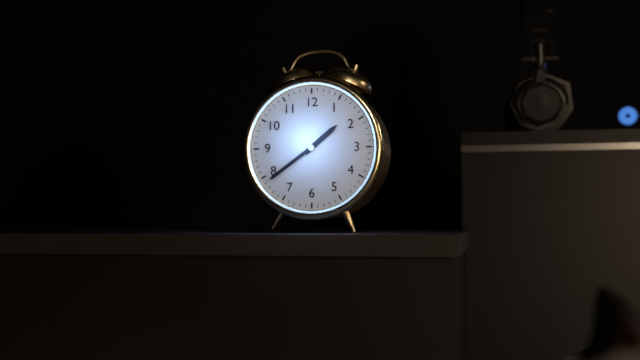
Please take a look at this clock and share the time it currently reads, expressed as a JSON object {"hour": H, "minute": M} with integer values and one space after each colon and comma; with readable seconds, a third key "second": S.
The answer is {"hour": 1, "minute": 39}
